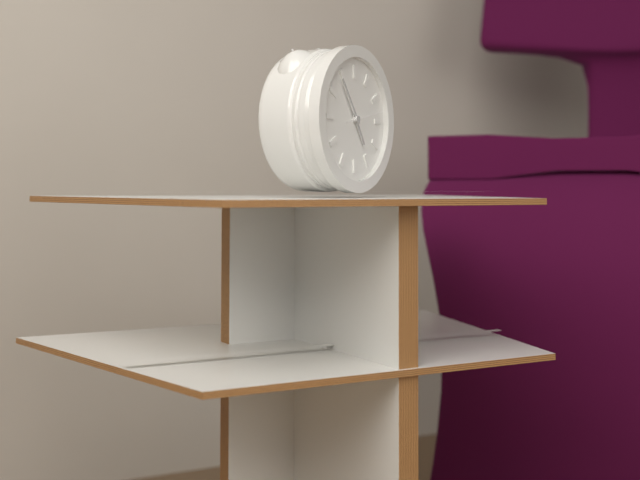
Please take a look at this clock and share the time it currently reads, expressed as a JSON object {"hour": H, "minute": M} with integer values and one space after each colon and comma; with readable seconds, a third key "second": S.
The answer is {"hour": 4, "minute": 54}
